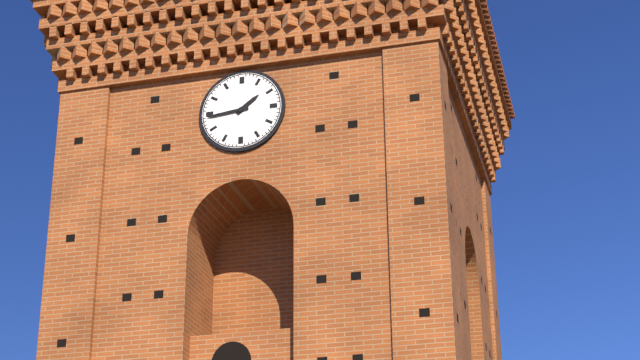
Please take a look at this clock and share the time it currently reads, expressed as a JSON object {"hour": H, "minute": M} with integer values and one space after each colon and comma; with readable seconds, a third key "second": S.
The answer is {"hour": 1, "minute": 44}
